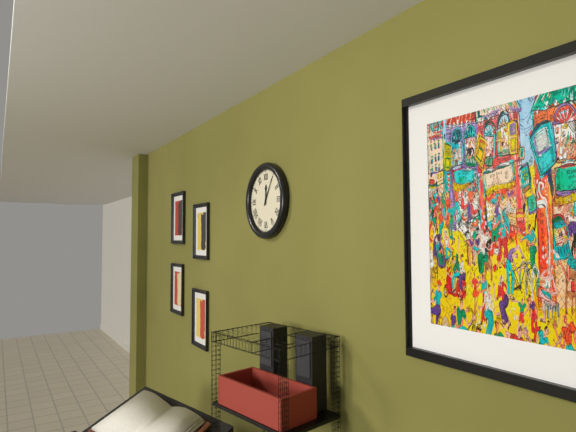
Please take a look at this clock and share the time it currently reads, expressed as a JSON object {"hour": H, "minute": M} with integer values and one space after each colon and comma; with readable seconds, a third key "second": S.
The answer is {"hour": 12, "minute": 5}
